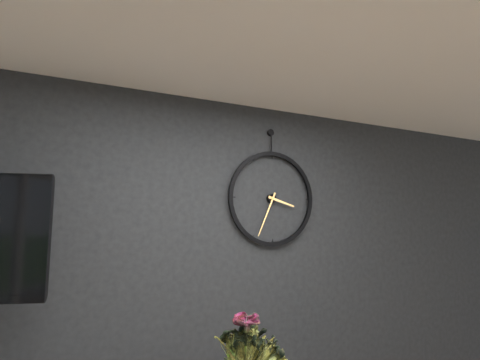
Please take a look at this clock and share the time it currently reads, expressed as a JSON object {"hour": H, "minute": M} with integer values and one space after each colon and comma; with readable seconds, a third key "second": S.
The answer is {"hour": 3, "minute": 34}
